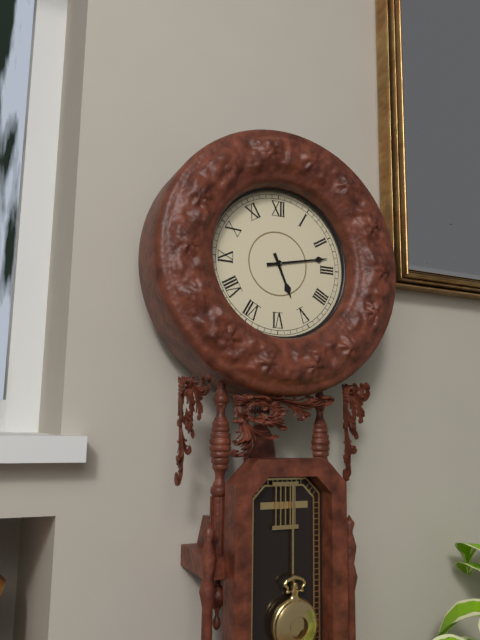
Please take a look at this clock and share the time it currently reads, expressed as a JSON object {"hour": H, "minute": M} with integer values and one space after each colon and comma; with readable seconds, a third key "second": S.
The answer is {"hour": 5, "minute": 13}
